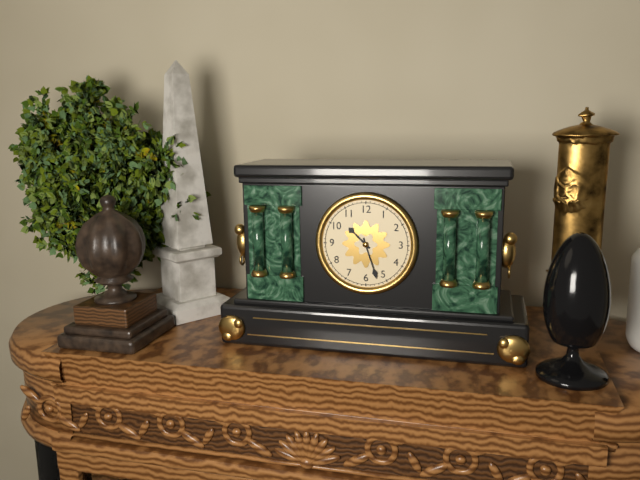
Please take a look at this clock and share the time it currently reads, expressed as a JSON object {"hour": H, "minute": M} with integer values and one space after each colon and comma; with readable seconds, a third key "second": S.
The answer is {"hour": 10, "minute": 27}
